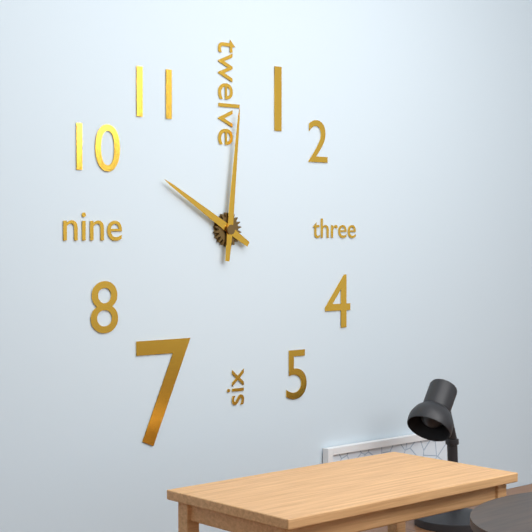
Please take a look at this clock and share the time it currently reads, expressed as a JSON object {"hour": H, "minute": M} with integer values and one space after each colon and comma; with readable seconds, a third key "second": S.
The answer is {"hour": 10, "minute": 1}
